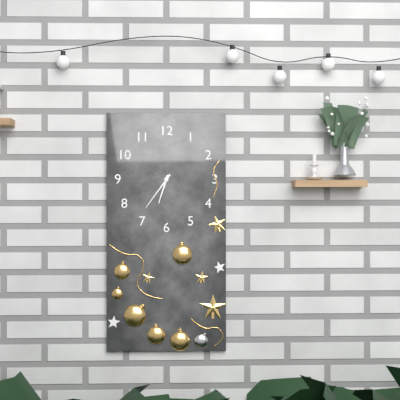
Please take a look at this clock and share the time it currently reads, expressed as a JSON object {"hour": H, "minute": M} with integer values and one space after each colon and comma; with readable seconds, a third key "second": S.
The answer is {"hour": 6, "minute": 36}
